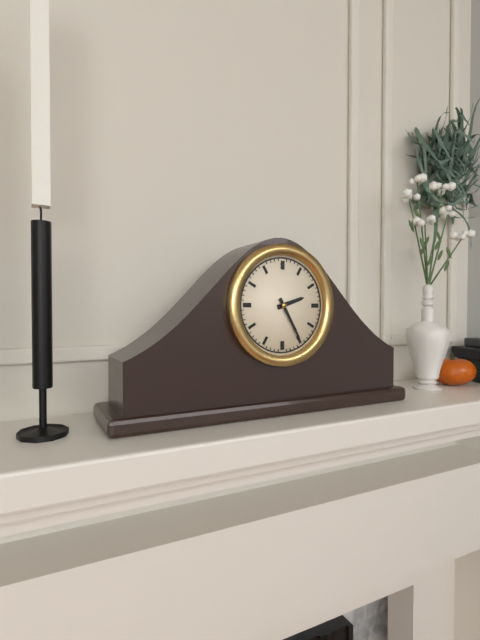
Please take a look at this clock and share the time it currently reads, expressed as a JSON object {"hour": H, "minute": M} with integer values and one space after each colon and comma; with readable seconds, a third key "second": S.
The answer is {"hour": 2, "minute": 25}
